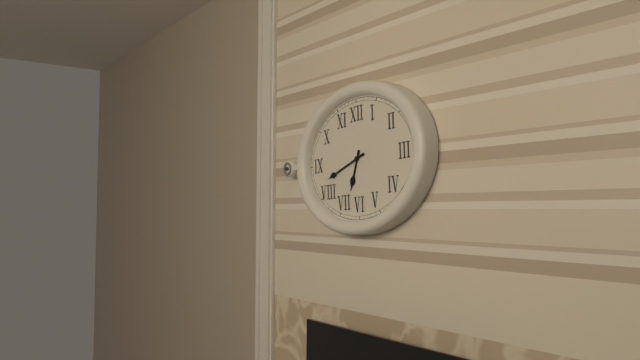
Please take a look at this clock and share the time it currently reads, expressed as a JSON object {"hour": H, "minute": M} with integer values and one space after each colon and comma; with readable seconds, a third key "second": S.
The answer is {"hour": 6, "minute": 42}
